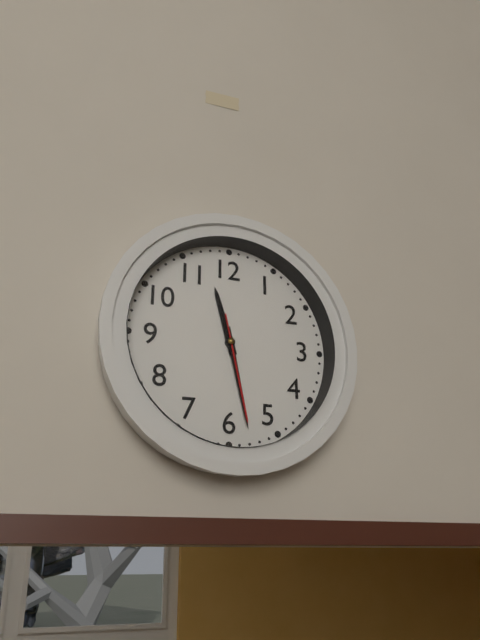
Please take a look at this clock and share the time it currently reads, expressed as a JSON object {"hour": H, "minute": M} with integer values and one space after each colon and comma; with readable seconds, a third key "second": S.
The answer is {"hour": 11, "minute": 28, "second": 28}
